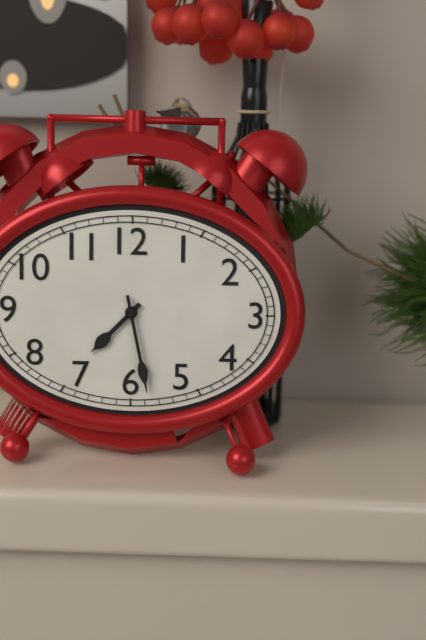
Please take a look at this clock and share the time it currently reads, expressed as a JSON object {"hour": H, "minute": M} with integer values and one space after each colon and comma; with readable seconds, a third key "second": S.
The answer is {"hour": 7, "minute": 28}
